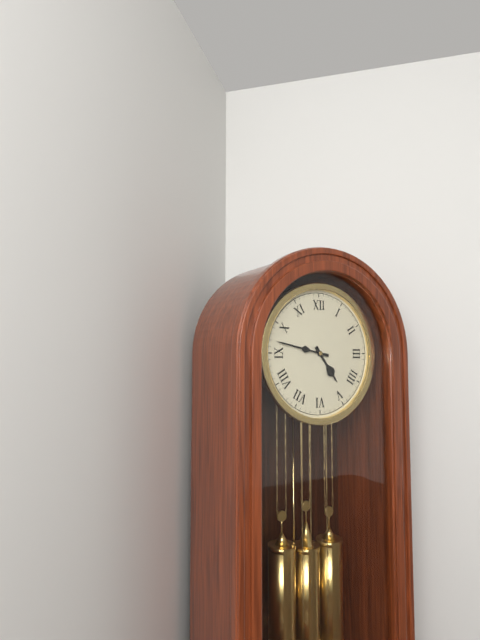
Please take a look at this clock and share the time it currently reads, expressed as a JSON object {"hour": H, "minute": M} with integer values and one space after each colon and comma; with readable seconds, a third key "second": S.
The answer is {"hour": 4, "minute": 47}
